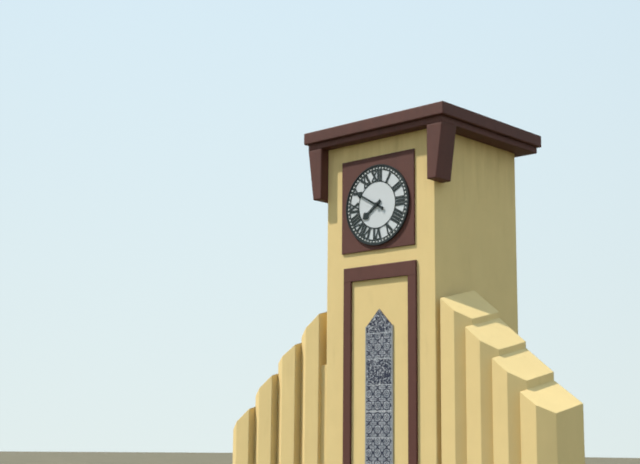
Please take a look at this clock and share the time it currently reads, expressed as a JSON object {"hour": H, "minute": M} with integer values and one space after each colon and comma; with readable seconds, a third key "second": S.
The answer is {"hour": 7, "minute": 50}
